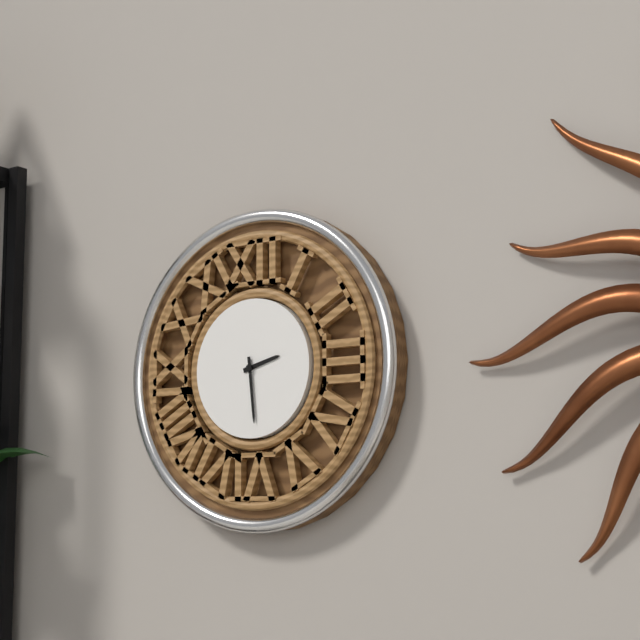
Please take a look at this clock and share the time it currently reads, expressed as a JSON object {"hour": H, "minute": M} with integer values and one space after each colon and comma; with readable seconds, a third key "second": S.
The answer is {"hour": 2, "minute": 29}
